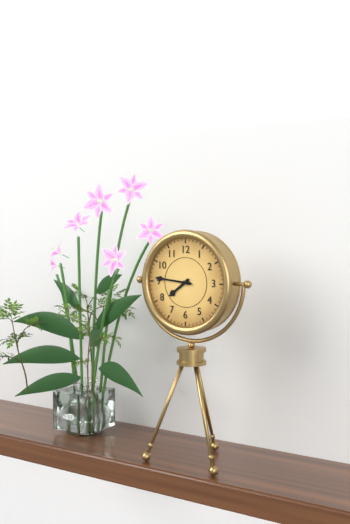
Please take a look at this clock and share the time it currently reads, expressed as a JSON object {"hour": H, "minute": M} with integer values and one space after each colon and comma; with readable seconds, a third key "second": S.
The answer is {"hour": 7, "minute": 46}
